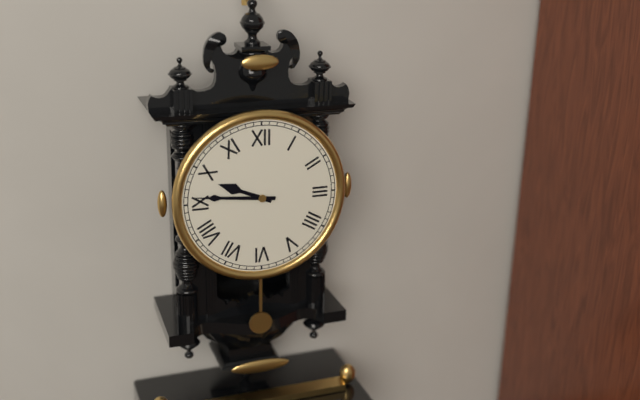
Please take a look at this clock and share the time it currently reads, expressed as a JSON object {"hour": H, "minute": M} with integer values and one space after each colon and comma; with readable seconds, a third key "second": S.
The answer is {"hour": 9, "minute": 46}
